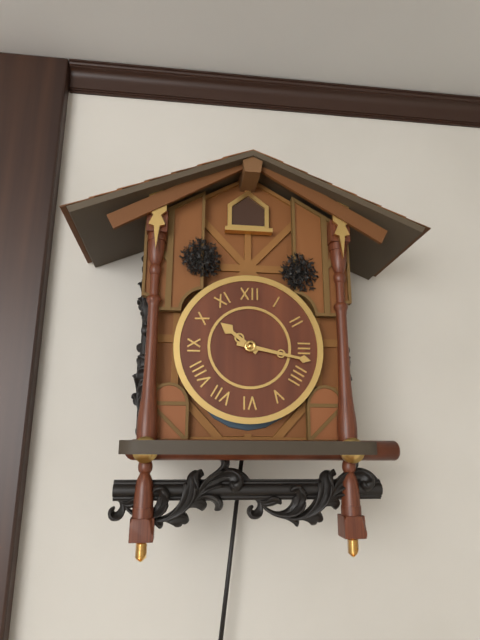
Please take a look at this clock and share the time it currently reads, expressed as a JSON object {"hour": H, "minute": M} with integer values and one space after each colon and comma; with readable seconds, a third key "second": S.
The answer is {"hour": 10, "minute": 17}
